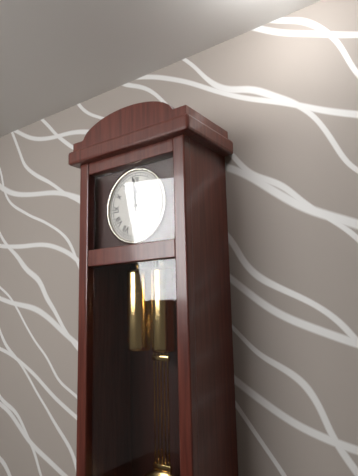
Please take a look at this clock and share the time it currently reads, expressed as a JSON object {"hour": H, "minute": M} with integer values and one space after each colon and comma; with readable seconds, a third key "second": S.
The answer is {"hour": 11, "minute": 59}
